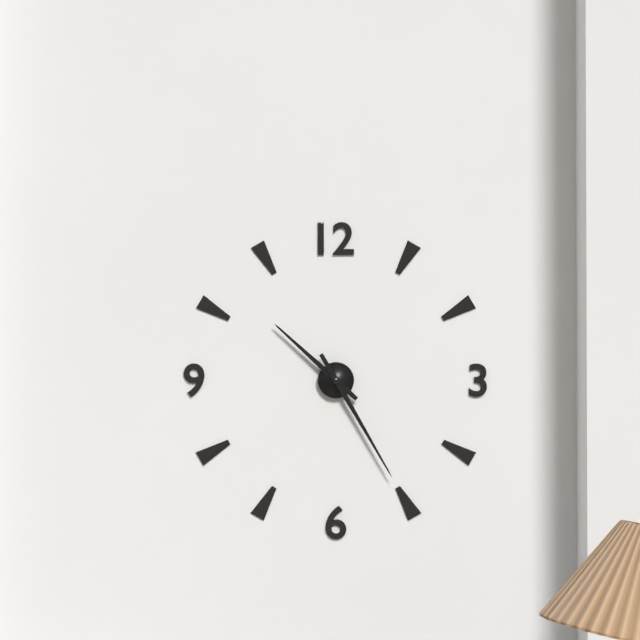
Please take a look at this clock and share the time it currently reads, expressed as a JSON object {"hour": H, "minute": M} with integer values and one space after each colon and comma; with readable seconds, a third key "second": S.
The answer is {"hour": 10, "minute": 25}
